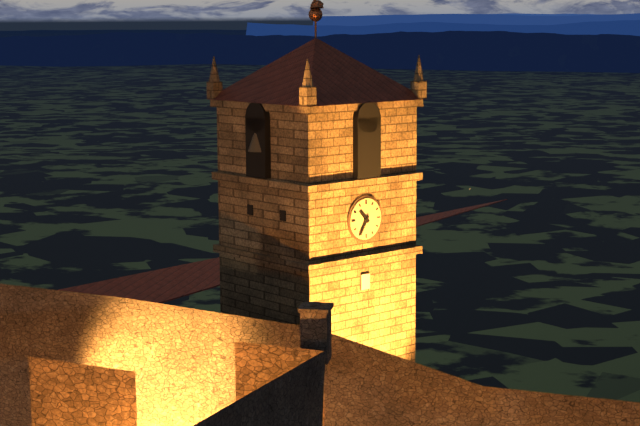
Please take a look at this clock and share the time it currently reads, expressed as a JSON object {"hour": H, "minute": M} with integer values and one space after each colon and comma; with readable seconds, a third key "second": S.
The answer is {"hour": 10, "minute": 35}
